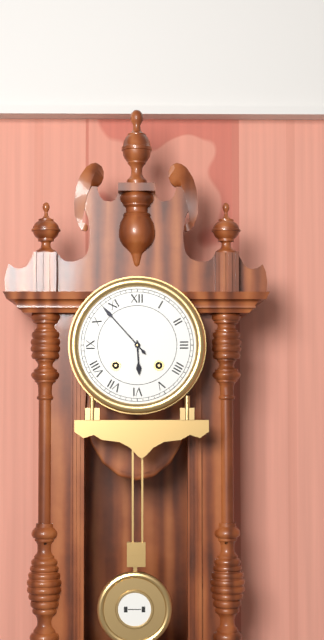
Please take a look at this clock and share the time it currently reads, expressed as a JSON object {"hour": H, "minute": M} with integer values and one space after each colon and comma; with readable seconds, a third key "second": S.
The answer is {"hour": 5, "minute": 53}
